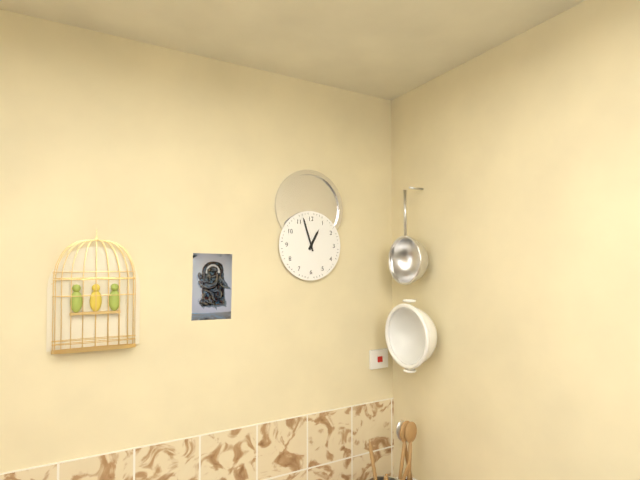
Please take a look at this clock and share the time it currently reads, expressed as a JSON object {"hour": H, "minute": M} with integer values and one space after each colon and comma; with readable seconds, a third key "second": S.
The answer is {"hour": 12, "minute": 57}
